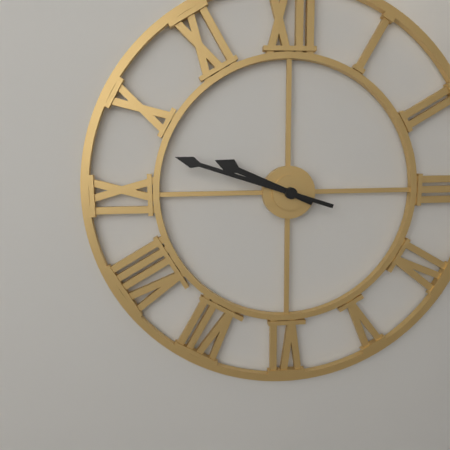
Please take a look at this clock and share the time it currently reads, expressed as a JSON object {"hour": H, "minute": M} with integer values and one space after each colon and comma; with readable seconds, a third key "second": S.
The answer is {"hour": 9, "minute": 48}
